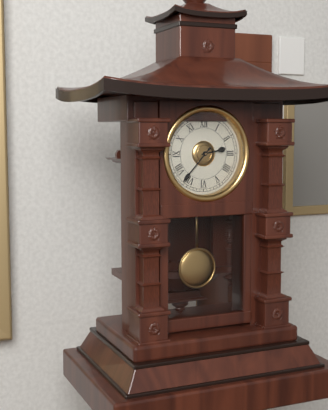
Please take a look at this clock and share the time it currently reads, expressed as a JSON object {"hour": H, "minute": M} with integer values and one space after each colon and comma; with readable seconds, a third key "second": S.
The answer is {"hour": 2, "minute": 37}
